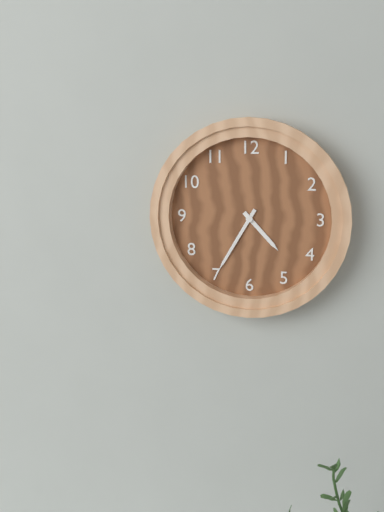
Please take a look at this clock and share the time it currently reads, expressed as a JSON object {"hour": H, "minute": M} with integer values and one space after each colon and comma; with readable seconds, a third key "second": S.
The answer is {"hour": 4, "minute": 35}
